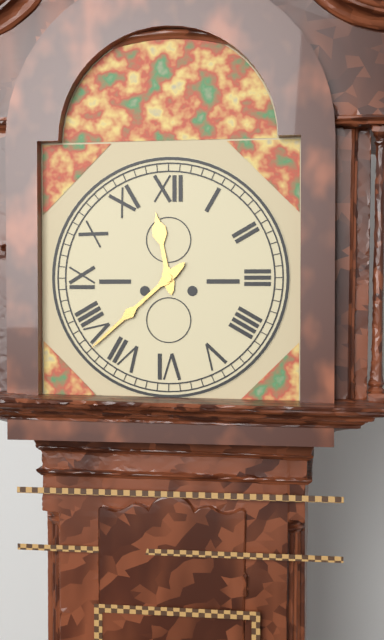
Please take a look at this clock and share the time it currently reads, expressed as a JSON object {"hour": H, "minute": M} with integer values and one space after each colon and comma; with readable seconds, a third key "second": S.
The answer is {"hour": 11, "minute": 38}
